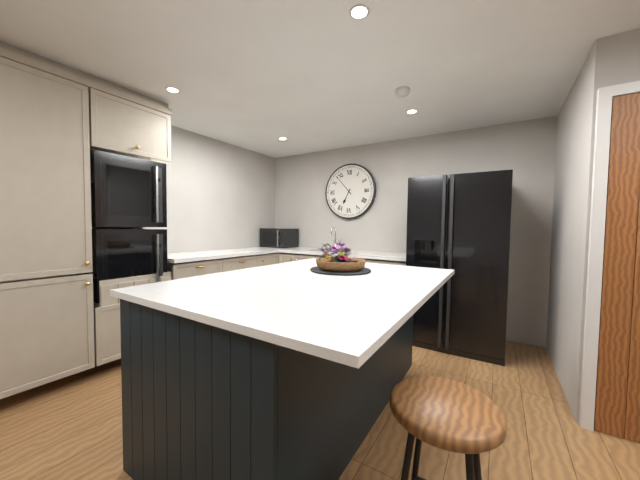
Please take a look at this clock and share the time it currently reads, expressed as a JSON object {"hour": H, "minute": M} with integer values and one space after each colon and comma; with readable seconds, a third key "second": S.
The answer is {"hour": 6, "minute": 53}
